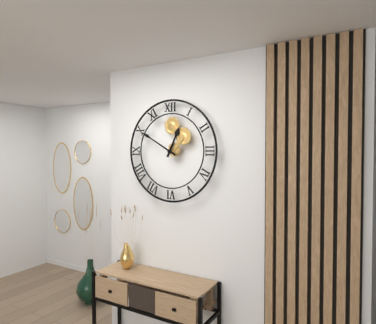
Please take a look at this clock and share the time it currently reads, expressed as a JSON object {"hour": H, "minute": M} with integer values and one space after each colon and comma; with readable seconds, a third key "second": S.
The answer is {"hour": 12, "minute": 50}
